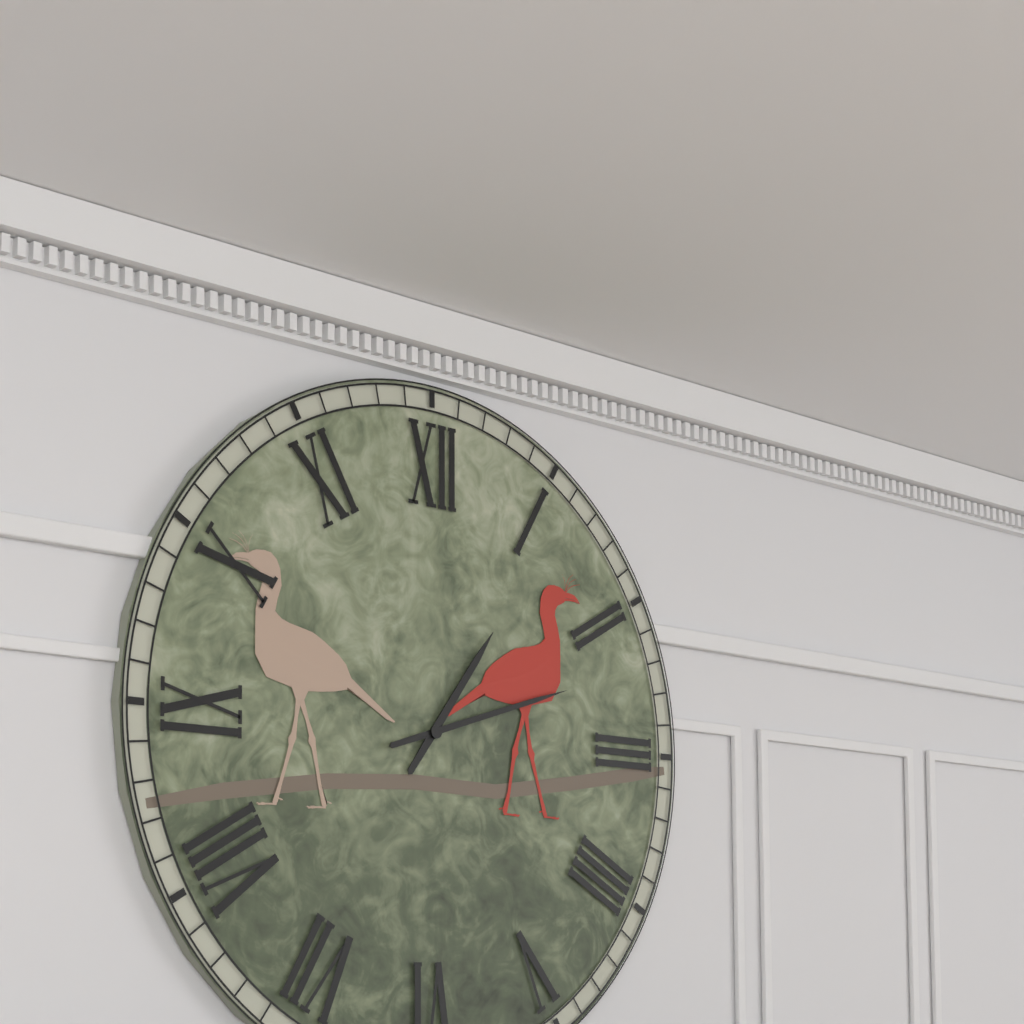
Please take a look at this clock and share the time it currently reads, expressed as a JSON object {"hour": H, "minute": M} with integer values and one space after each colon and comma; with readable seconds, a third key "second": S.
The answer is {"hour": 1, "minute": 12}
